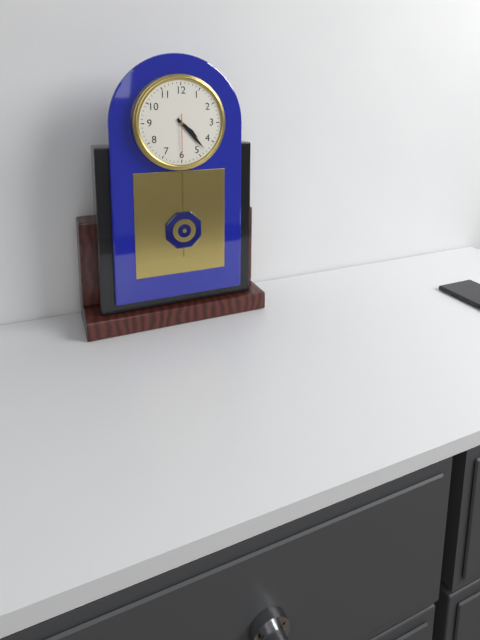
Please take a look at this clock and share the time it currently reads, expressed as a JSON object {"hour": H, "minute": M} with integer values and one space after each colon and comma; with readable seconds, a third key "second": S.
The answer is {"hour": 4, "minute": 23}
